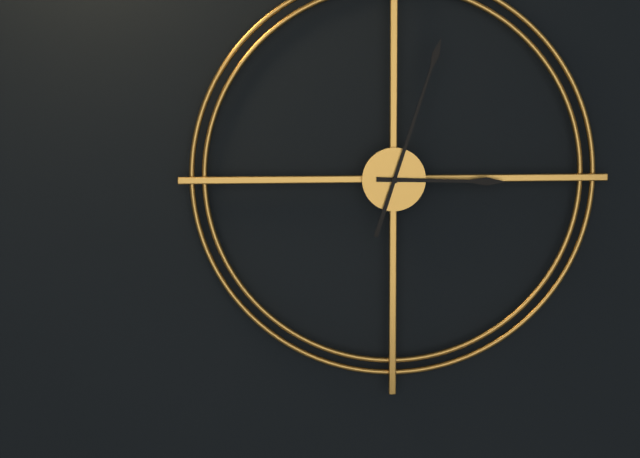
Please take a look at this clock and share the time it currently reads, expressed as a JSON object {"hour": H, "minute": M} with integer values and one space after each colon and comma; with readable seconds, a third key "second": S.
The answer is {"hour": 3, "minute": 3}
